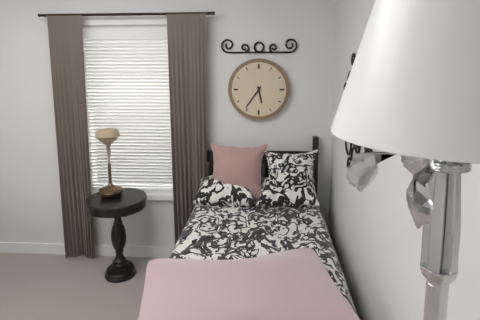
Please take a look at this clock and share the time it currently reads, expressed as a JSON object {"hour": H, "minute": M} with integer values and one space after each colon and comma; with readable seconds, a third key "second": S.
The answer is {"hour": 5, "minute": 36}
